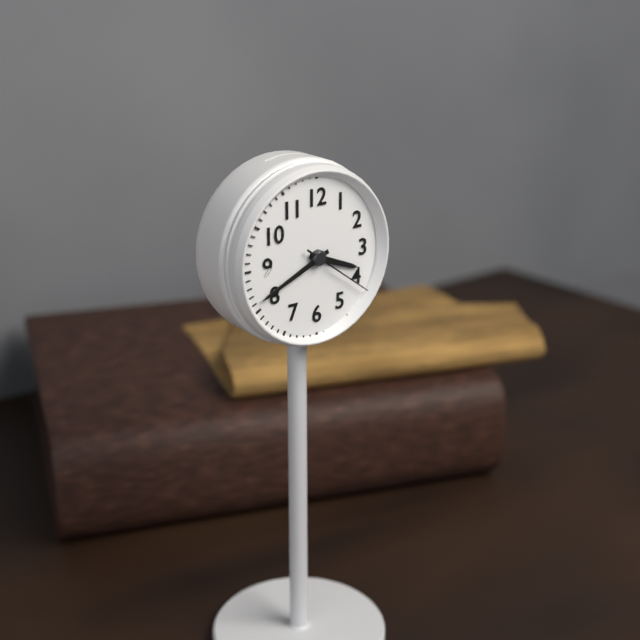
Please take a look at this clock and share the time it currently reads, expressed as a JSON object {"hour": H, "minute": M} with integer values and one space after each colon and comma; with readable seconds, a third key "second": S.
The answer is {"hour": 3, "minute": 41, "second": 21}
